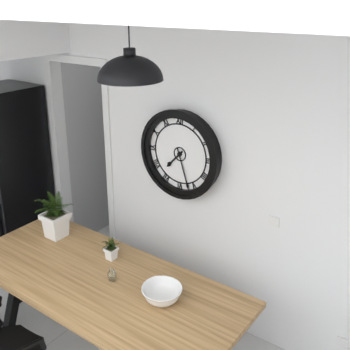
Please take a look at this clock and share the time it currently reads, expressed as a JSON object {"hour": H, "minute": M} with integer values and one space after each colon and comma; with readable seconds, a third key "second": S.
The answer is {"hour": 7, "minute": 27}
